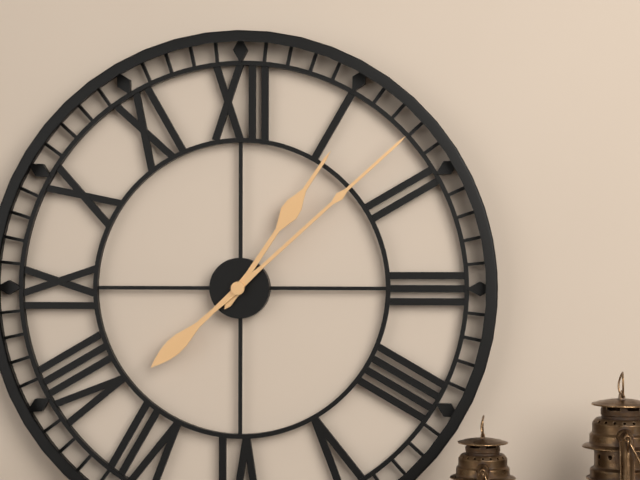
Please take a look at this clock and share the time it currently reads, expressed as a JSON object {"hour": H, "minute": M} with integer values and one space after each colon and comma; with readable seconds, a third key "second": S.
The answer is {"hour": 1, "minute": 8}
